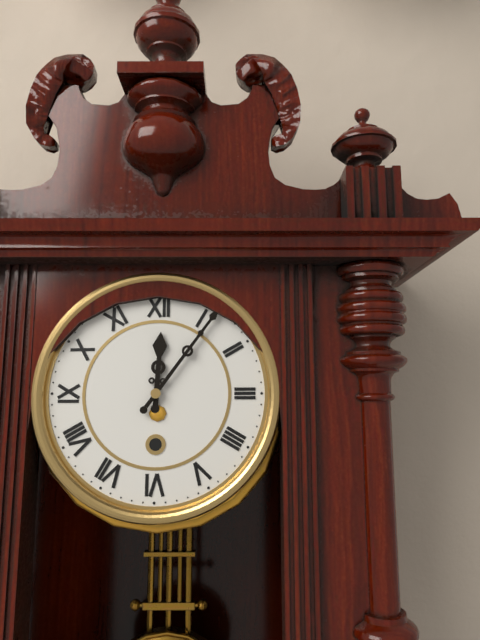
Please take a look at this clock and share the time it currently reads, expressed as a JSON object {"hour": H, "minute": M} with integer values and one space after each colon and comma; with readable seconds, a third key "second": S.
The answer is {"hour": 12, "minute": 6}
